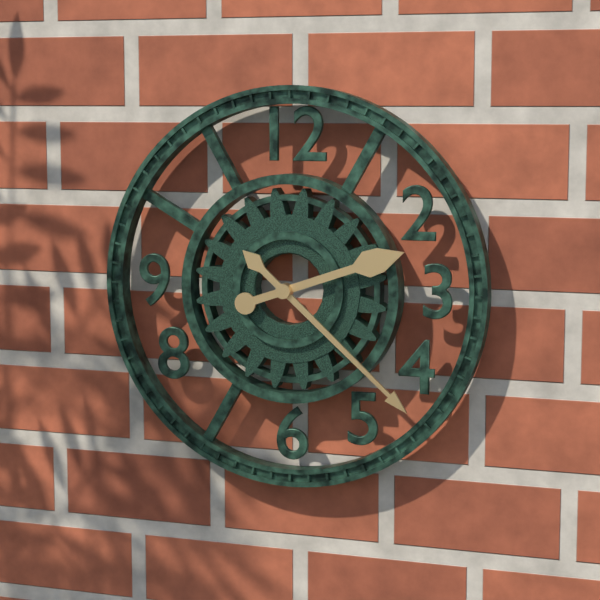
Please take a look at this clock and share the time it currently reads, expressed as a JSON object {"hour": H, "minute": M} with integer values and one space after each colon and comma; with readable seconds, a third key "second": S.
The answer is {"hour": 2, "minute": 22}
